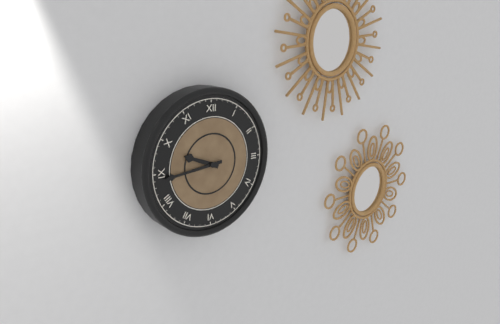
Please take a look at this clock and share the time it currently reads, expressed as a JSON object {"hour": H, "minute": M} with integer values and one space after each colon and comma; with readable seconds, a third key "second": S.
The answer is {"hour": 9, "minute": 44}
